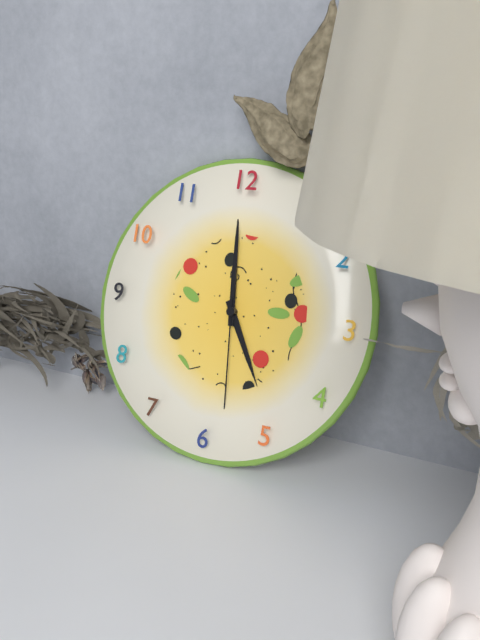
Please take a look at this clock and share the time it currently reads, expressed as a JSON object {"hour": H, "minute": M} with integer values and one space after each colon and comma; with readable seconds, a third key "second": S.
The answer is {"hour": 4, "minute": 59, "second": 29}
